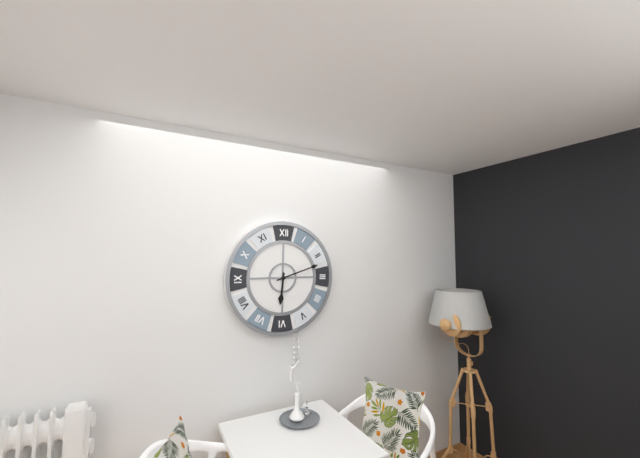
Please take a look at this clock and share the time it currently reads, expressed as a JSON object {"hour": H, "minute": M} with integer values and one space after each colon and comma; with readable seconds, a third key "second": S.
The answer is {"hour": 6, "minute": 12}
